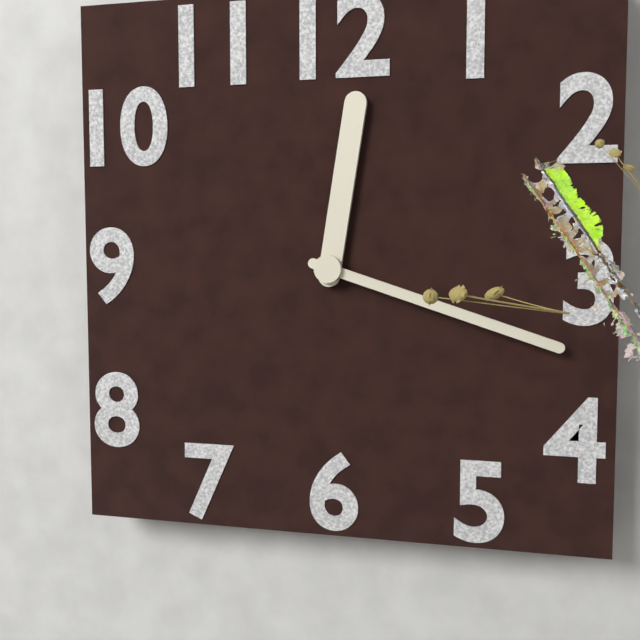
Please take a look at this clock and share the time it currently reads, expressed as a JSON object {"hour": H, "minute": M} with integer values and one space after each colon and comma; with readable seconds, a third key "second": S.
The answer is {"hour": 12, "minute": 18}
